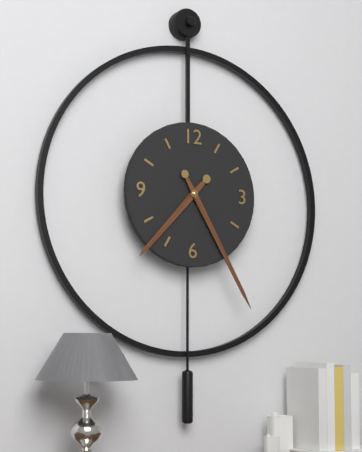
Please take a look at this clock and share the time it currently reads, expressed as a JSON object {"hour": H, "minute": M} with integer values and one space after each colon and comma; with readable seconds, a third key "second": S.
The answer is {"hour": 7, "minute": 25}
